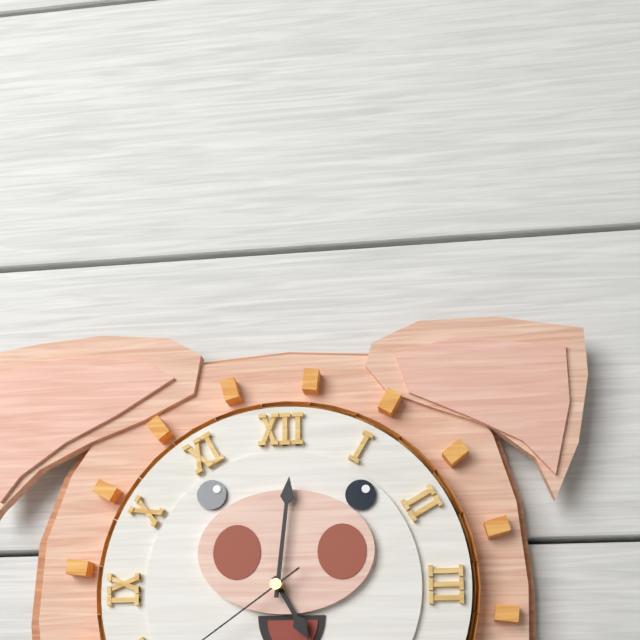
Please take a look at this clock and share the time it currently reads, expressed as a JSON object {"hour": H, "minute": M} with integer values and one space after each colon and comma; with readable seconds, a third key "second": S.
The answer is {"hour": 5, "minute": 1}
